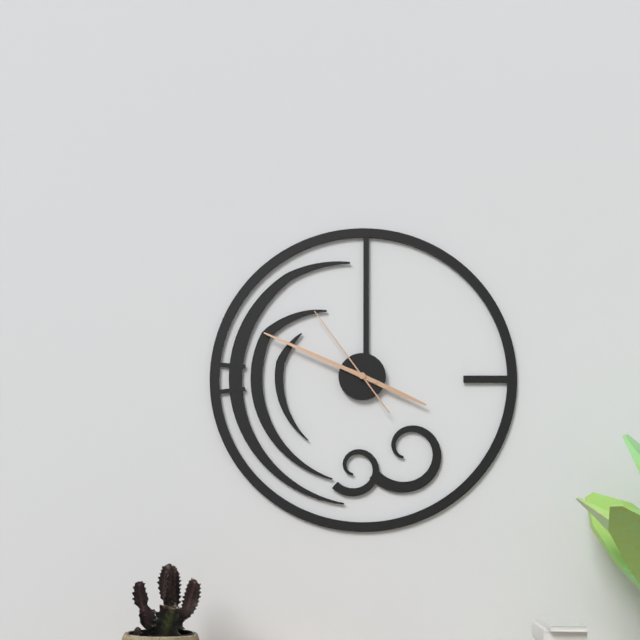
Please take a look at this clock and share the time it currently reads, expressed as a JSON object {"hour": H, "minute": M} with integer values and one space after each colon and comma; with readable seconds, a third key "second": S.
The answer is {"hour": 3, "minute": 49, "second": 54}
